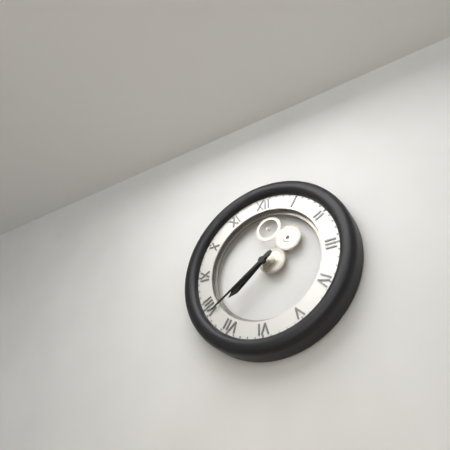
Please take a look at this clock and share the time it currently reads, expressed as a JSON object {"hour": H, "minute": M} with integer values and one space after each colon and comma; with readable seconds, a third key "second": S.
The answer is {"hour": 7, "minute": 39}
